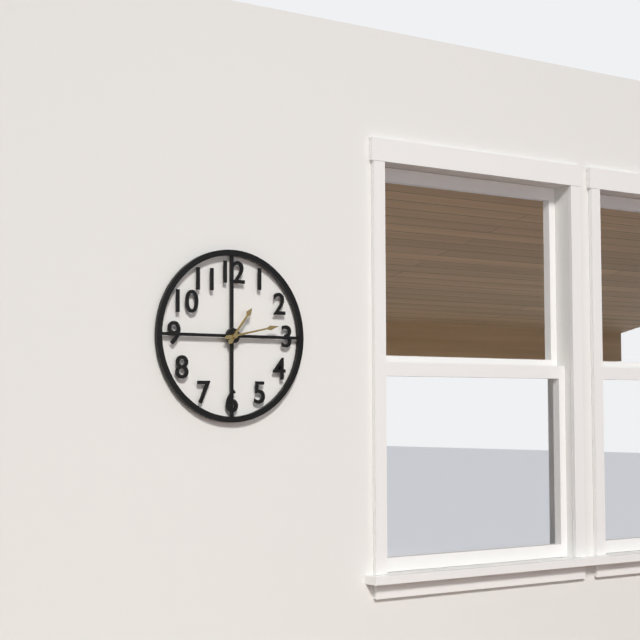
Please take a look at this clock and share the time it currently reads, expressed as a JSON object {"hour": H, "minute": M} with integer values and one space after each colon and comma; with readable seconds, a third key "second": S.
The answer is {"hour": 1, "minute": 13}
